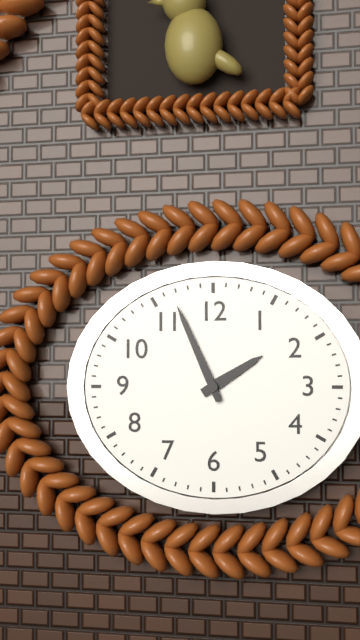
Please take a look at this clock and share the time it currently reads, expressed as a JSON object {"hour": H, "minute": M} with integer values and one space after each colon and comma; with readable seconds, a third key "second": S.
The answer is {"hour": 1, "minute": 56}
